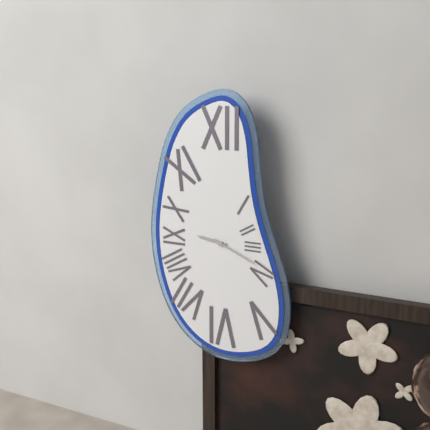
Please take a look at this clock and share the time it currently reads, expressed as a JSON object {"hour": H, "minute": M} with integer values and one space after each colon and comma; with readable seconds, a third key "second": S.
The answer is {"hour": 9, "minute": 19}
